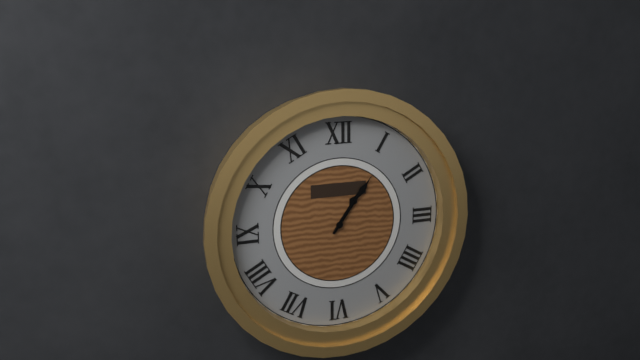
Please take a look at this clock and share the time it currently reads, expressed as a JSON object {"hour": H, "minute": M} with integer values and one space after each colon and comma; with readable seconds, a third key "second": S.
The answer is {"hour": 1, "minute": 6}
